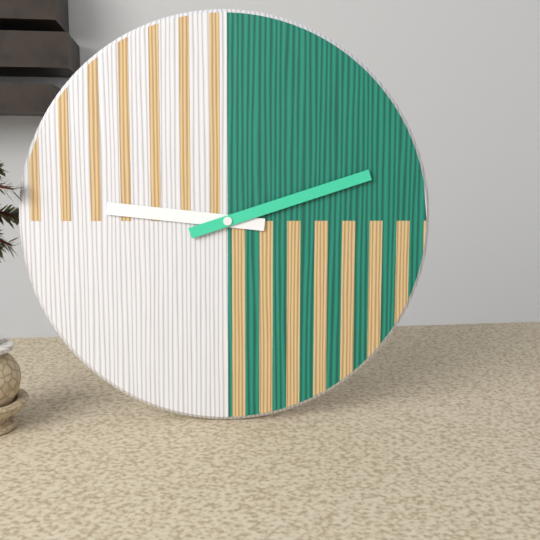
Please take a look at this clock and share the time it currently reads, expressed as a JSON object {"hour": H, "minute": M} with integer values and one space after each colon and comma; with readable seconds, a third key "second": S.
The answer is {"hour": 9, "minute": 12}
